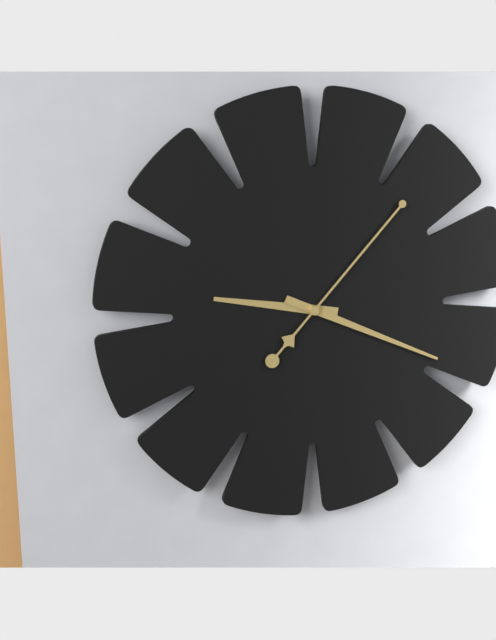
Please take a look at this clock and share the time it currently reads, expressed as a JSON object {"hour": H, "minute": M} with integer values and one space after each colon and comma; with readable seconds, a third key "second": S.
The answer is {"hour": 9, "minute": 19, "second": 7}
